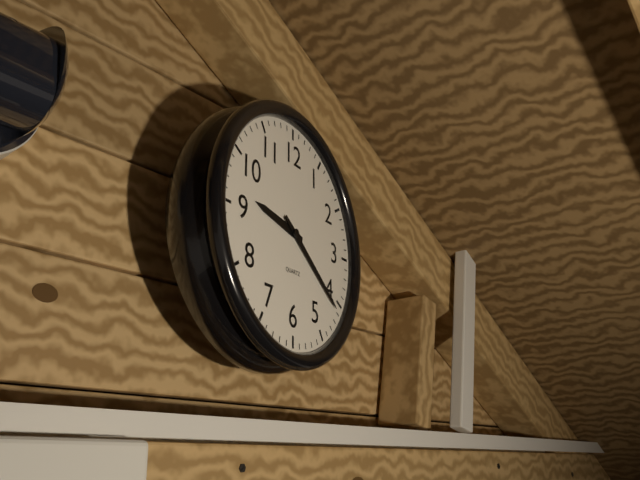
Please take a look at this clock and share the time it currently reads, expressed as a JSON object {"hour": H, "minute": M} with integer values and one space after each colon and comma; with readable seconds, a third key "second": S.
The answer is {"hour": 9, "minute": 21}
